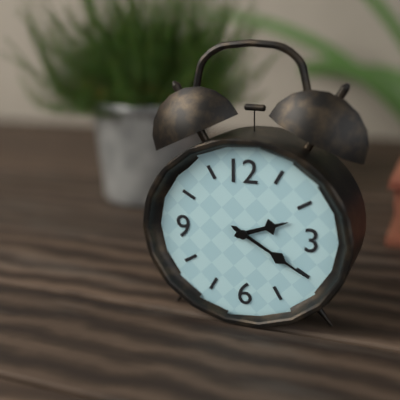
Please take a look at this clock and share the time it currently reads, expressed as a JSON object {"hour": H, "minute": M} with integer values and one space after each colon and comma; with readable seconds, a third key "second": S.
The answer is {"hour": 2, "minute": 20}
